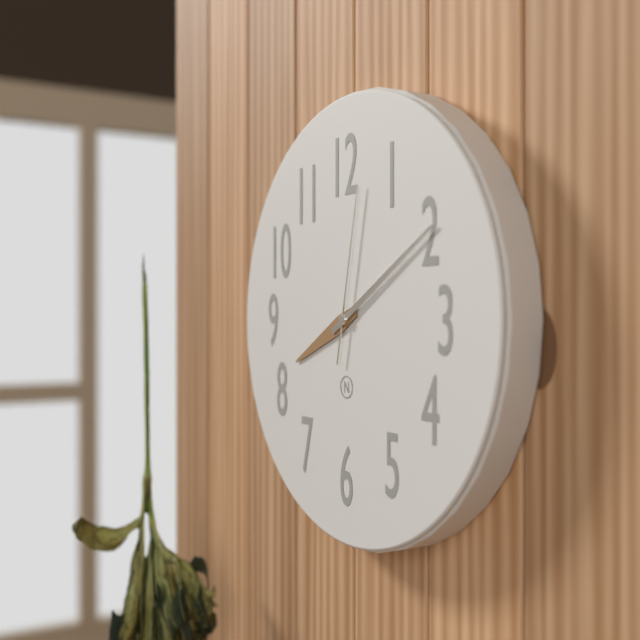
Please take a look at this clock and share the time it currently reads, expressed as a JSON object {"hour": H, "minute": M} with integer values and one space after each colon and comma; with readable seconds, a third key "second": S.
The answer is {"hour": 8, "minute": 10, "second": 2}
